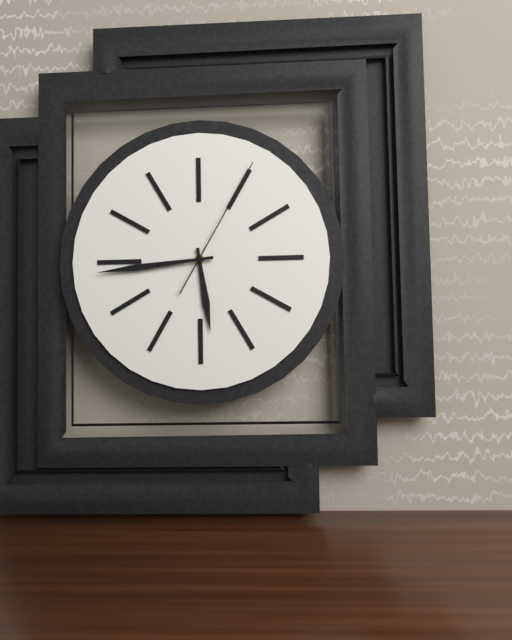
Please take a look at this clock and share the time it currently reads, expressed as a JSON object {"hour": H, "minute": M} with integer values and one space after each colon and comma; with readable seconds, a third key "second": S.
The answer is {"hour": 5, "minute": 44, "second": 5}
